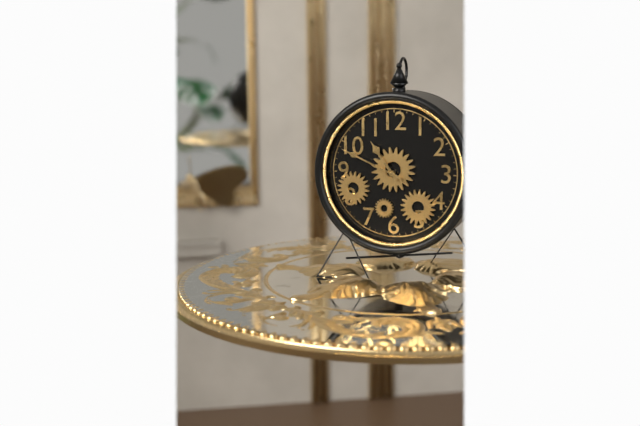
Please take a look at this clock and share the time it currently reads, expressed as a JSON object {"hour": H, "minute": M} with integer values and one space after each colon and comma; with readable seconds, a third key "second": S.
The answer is {"hour": 10, "minute": 49}
